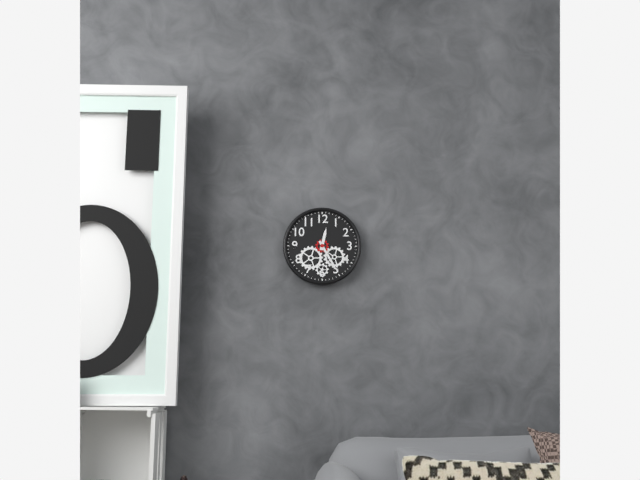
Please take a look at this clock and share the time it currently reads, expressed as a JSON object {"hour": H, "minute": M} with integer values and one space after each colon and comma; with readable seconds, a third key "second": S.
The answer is {"hour": 12, "minute": 25}
